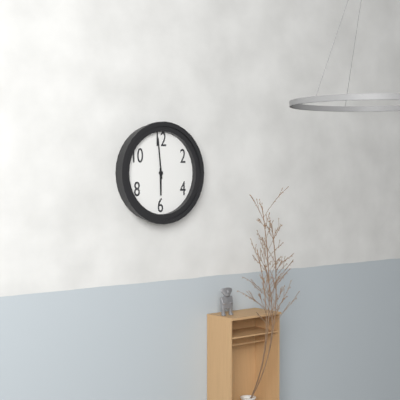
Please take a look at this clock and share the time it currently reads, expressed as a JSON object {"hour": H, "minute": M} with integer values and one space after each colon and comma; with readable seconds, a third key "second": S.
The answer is {"hour": 5, "minute": 59}
